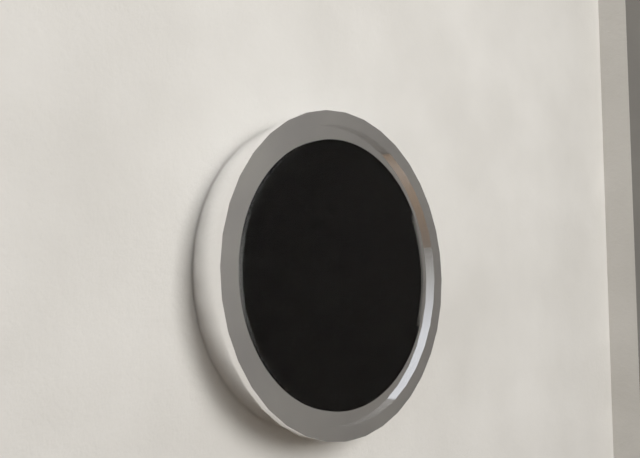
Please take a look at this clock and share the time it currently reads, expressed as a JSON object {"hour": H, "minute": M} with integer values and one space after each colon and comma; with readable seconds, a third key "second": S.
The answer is {"hour": 7, "minute": 0}
